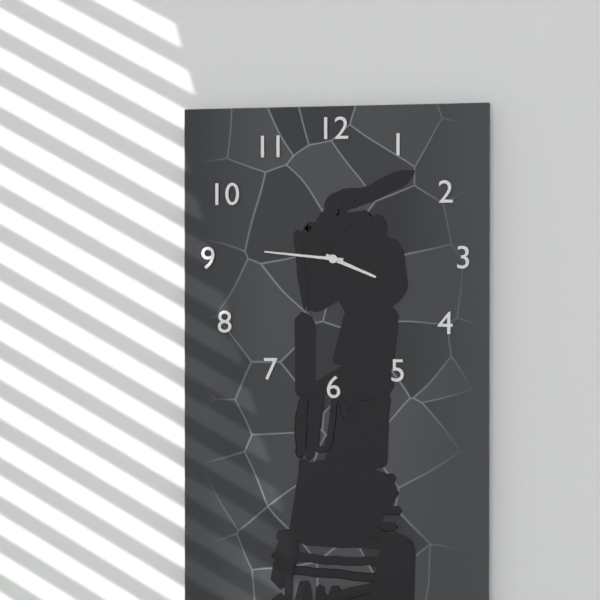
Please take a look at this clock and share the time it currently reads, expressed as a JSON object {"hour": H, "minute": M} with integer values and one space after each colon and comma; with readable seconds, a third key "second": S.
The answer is {"hour": 3, "minute": 46}
